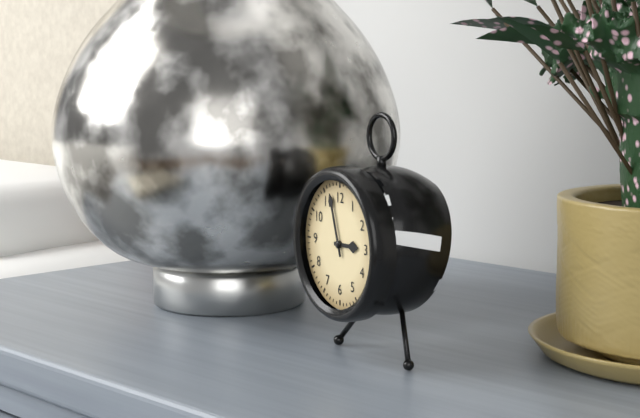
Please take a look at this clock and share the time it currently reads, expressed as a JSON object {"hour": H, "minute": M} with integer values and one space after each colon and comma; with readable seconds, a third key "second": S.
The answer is {"hour": 2, "minute": 57}
